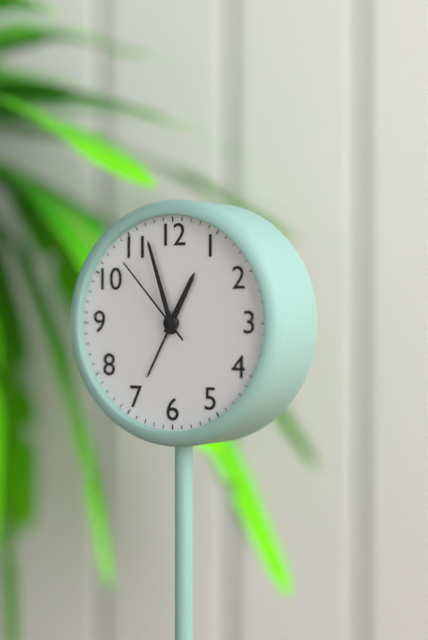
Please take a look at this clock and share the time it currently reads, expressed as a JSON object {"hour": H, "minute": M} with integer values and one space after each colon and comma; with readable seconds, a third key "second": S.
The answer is {"hour": 12, "minute": 57, "second": 53}
